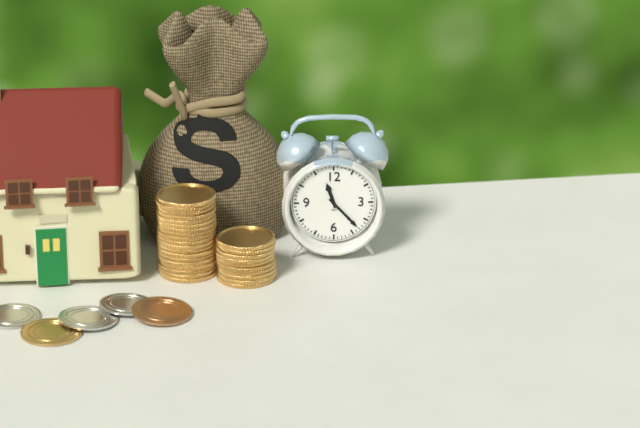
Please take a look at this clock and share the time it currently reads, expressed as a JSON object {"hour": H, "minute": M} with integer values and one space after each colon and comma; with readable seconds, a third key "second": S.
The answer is {"hour": 11, "minute": 23}
